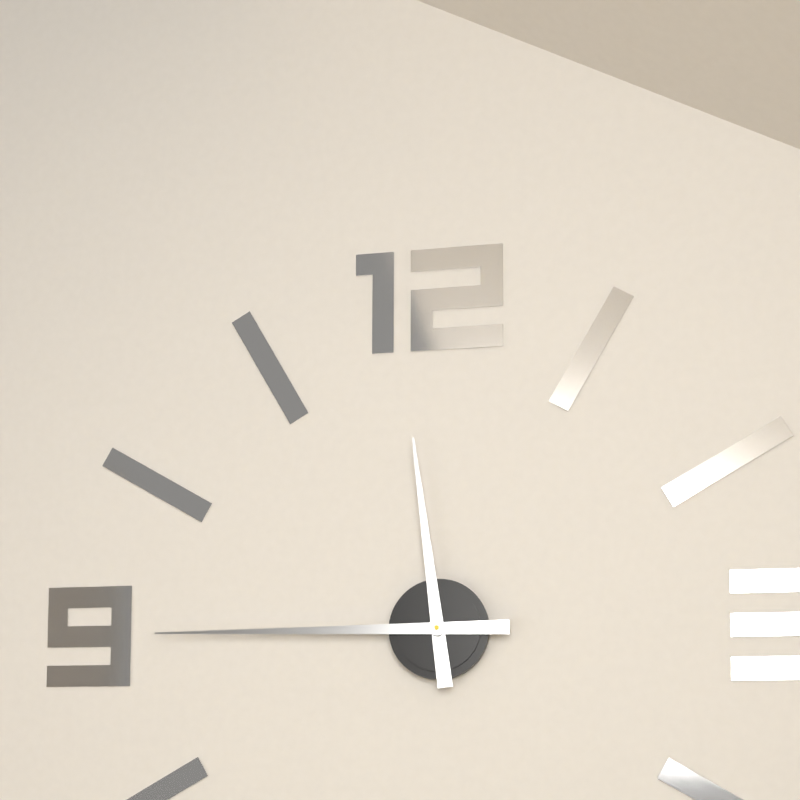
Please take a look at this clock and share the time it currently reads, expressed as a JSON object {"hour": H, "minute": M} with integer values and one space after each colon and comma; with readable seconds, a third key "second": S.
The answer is {"hour": 11, "minute": 45}
